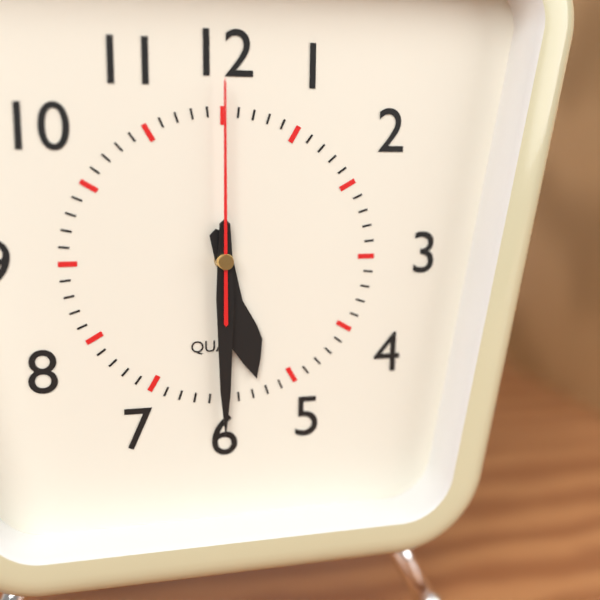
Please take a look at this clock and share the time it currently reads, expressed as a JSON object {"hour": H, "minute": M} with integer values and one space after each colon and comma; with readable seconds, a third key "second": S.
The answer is {"hour": 5, "minute": 30, "second": 0}
